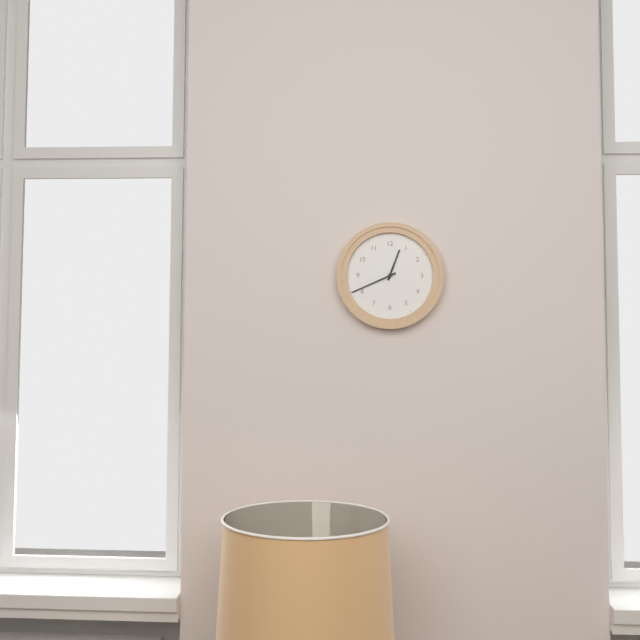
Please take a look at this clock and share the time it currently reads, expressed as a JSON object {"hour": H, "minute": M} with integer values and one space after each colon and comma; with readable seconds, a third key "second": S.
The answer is {"hour": 12, "minute": 41}
